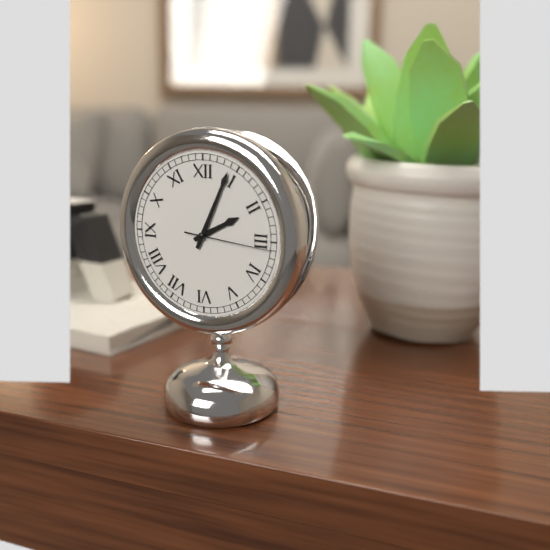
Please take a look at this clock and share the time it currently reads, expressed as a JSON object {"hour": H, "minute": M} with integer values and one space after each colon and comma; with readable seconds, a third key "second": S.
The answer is {"hour": 2, "minute": 4, "second": 16}
